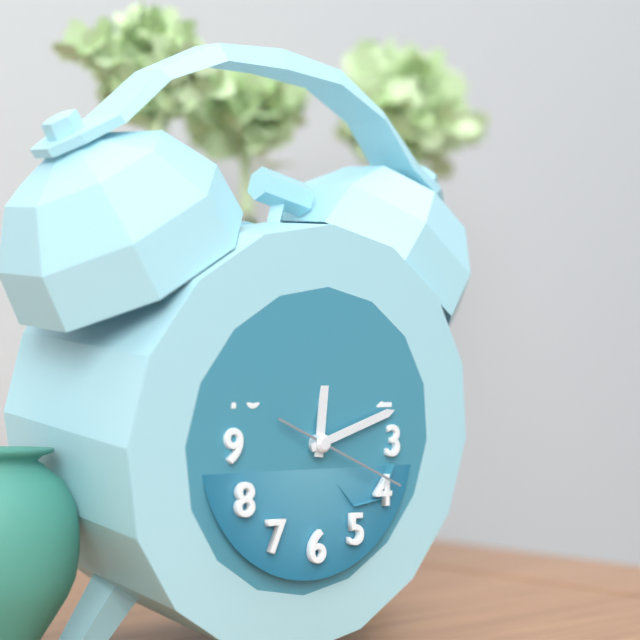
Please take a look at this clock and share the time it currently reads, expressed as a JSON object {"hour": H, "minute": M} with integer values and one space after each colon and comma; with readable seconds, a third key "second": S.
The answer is {"hour": 12, "minute": 12, "second": 19}
